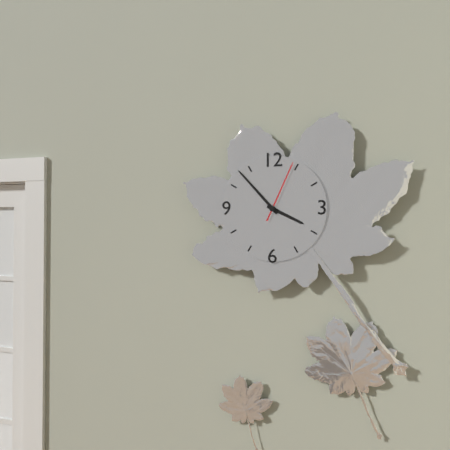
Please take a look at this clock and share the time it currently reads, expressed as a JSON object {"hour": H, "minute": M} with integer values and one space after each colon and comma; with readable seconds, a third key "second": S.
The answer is {"hour": 3, "minute": 53, "second": 4}
